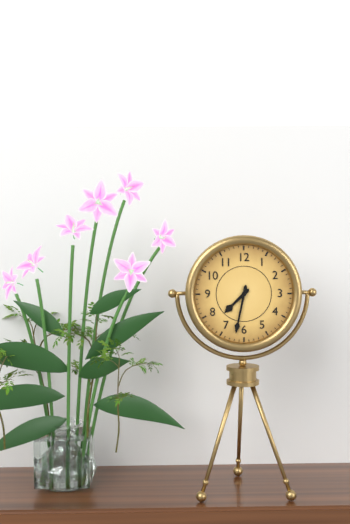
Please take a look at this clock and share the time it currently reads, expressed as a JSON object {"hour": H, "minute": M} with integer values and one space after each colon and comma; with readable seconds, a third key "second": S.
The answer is {"hour": 7, "minute": 32}
